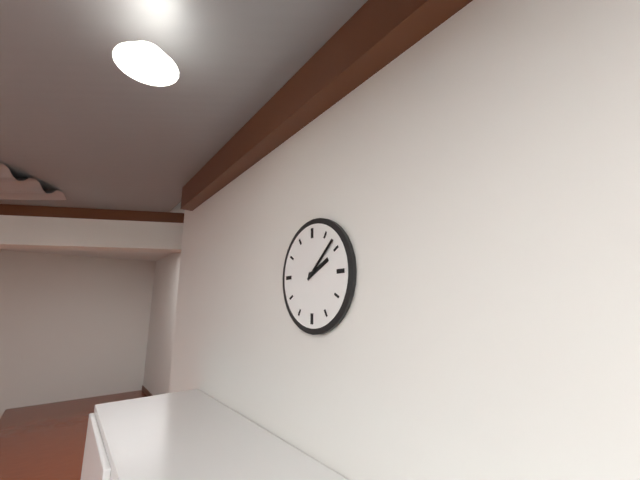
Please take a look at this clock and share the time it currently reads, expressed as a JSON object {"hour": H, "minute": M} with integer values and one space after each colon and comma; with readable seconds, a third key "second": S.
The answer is {"hour": 2, "minute": 8}
